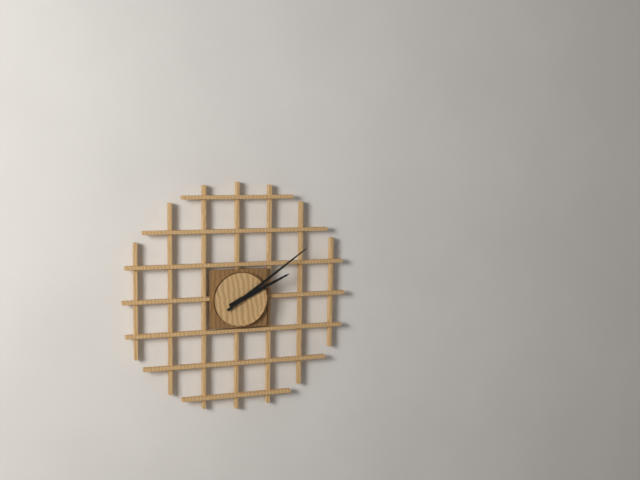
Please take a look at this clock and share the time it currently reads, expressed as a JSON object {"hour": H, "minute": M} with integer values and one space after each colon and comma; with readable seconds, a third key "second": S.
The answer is {"hour": 2, "minute": 9}
